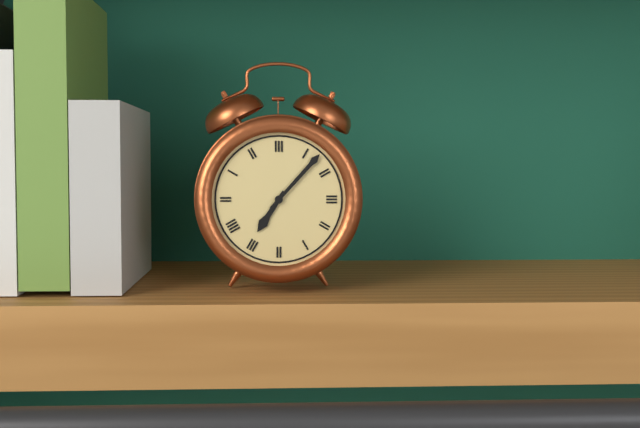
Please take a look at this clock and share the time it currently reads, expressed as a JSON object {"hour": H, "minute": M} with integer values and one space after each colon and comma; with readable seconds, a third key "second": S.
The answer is {"hour": 7, "minute": 7}
